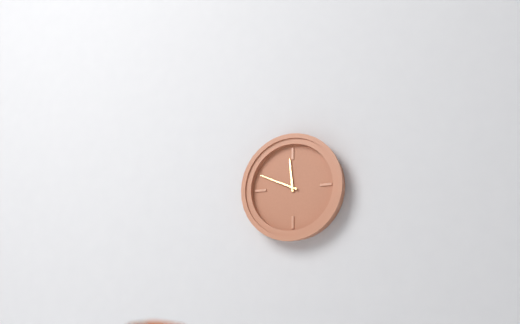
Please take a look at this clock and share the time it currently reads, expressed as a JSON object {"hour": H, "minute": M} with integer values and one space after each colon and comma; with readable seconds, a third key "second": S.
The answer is {"hour": 11, "minute": 49}
